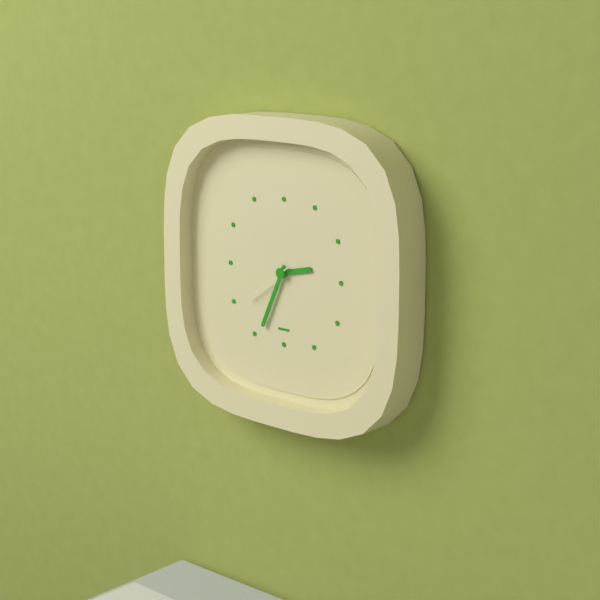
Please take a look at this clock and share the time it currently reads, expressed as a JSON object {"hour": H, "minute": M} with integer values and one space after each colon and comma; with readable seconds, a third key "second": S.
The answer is {"hour": 2, "minute": 34, "second": 39}
